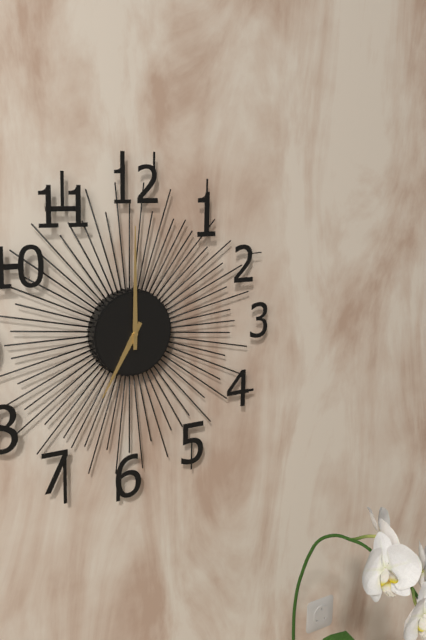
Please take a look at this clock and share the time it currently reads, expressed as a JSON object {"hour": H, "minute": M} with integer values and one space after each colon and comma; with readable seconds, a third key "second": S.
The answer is {"hour": 7, "minute": 0}
